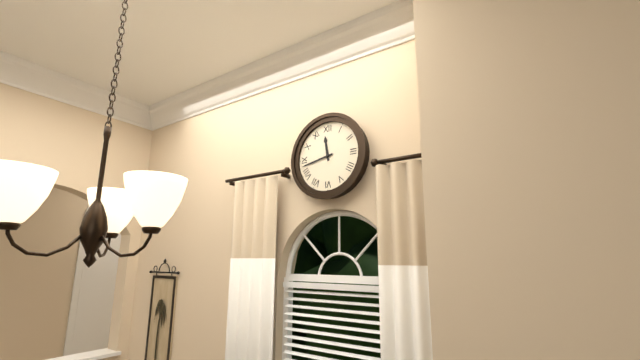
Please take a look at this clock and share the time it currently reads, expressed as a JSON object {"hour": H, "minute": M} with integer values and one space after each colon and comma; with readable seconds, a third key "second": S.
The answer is {"hour": 11, "minute": 43}
